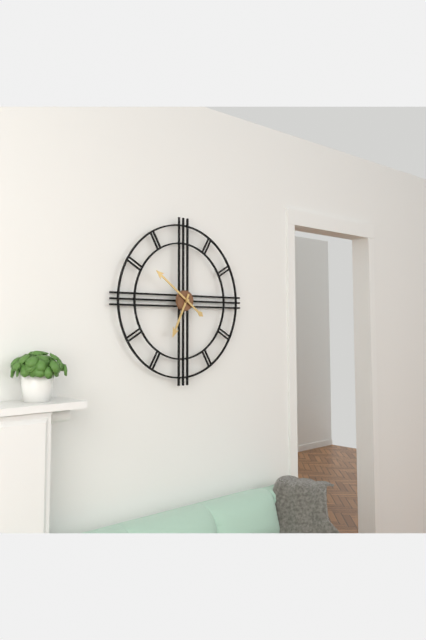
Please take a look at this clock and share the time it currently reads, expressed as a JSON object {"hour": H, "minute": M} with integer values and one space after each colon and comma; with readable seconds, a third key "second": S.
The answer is {"hour": 6, "minute": 51}
